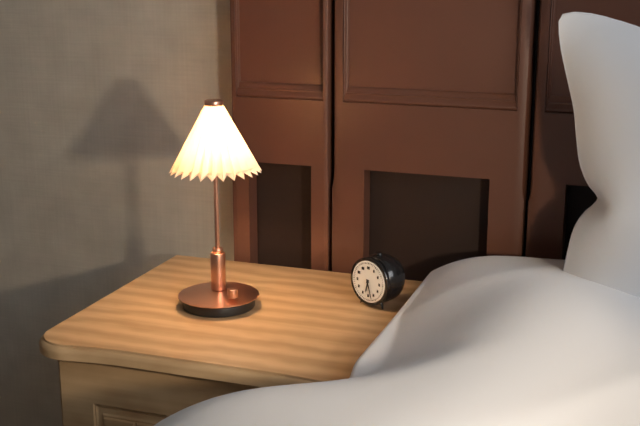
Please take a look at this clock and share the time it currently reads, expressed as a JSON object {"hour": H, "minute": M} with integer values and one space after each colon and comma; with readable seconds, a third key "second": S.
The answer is {"hour": 6, "minute": 27}
